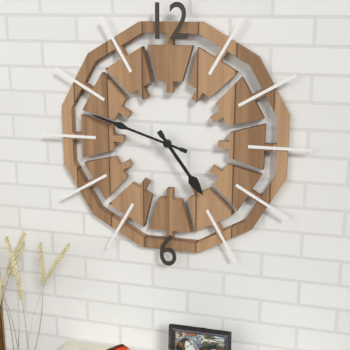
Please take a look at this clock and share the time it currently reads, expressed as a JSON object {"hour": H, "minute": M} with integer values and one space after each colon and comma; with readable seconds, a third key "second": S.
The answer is {"hour": 4, "minute": 48}
